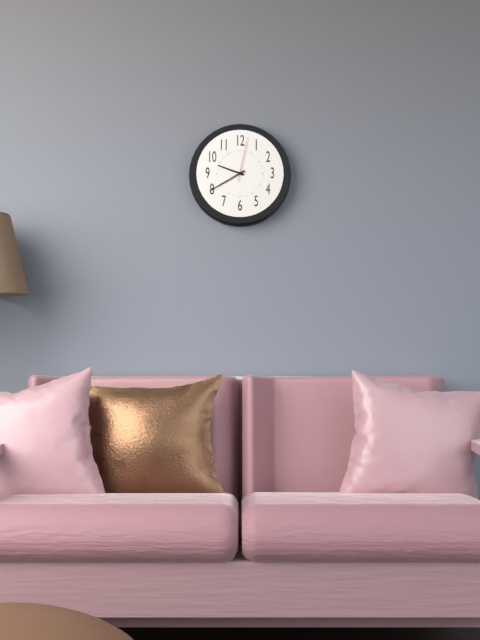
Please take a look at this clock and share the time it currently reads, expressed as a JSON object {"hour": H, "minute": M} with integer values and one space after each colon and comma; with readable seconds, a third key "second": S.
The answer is {"hour": 9, "minute": 40}
